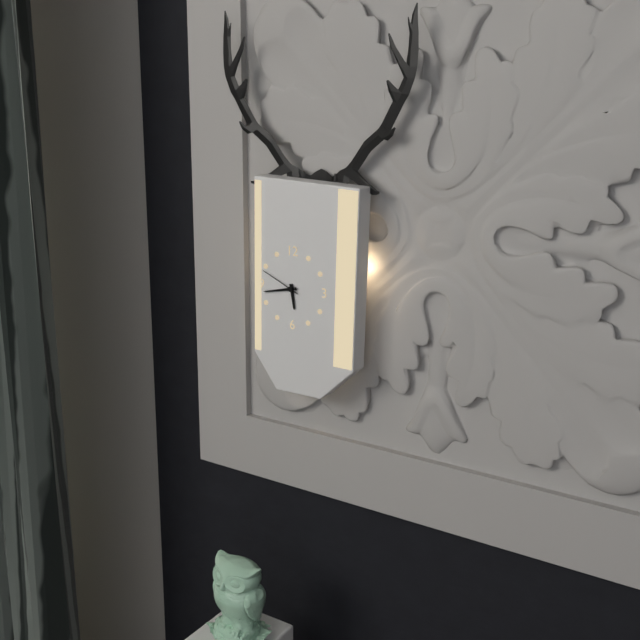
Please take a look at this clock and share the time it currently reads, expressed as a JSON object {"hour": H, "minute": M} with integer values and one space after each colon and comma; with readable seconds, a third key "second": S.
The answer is {"hour": 5, "minute": 43}
